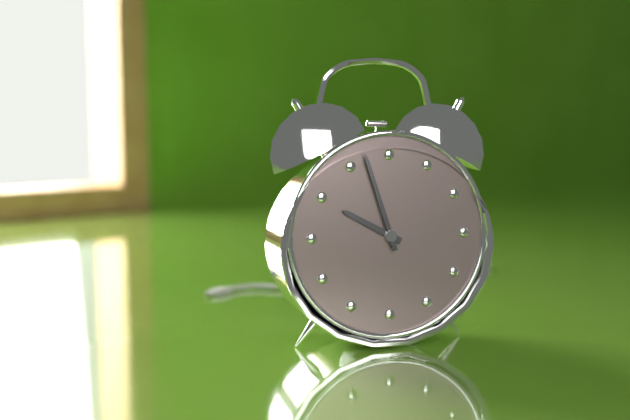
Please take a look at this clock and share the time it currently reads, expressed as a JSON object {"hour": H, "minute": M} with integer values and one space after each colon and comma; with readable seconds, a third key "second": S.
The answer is {"hour": 9, "minute": 57}
